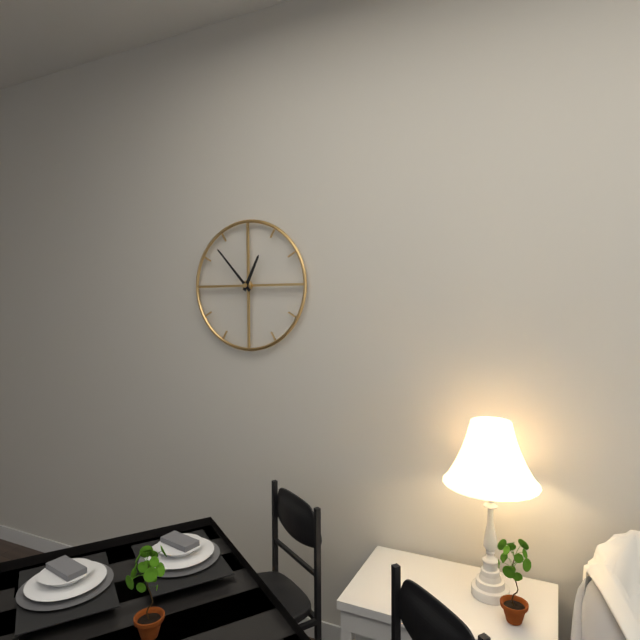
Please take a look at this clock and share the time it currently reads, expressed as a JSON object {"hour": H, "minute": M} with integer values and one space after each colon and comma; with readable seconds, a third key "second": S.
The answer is {"hour": 12, "minute": 53}
